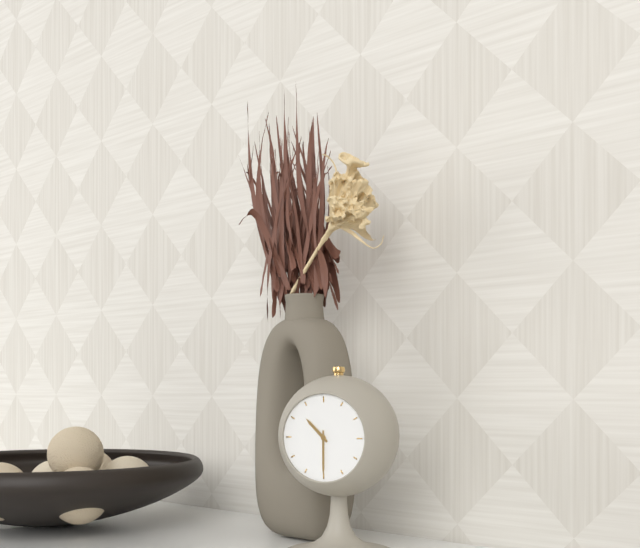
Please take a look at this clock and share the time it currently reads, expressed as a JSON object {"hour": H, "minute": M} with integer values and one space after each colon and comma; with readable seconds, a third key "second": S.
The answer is {"hour": 10, "minute": 30}
